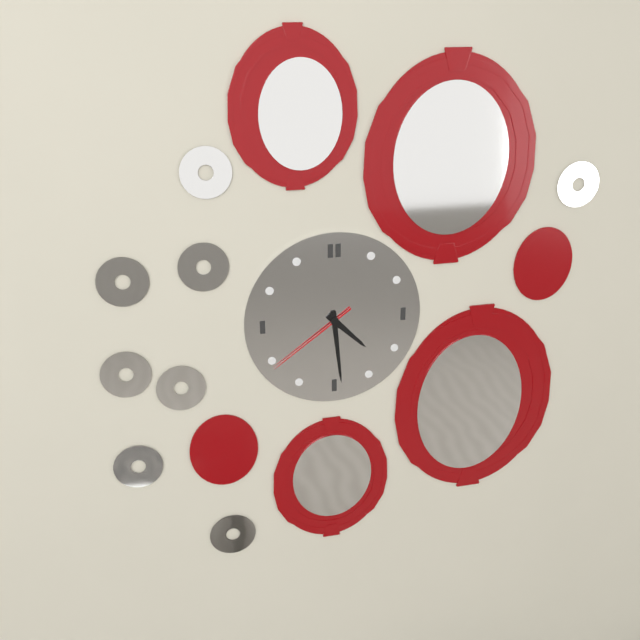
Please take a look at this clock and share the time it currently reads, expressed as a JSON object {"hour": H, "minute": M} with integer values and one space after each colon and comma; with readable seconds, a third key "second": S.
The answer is {"hour": 4, "minute": 29, "second": 39}
